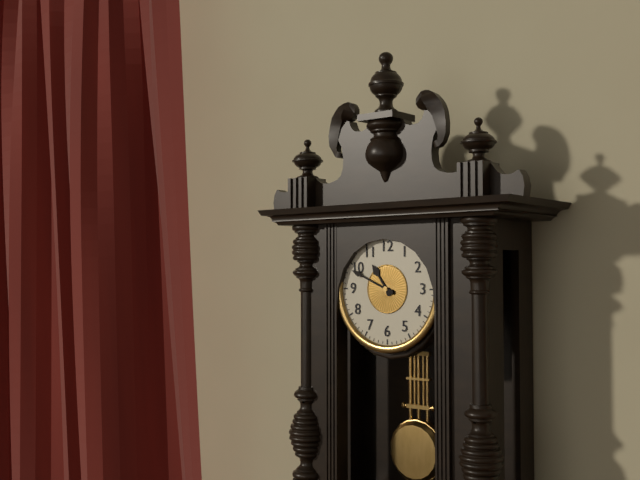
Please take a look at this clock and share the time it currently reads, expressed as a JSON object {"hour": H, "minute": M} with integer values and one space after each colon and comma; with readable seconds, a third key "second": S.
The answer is {"hour": 10, "minute": 49}
